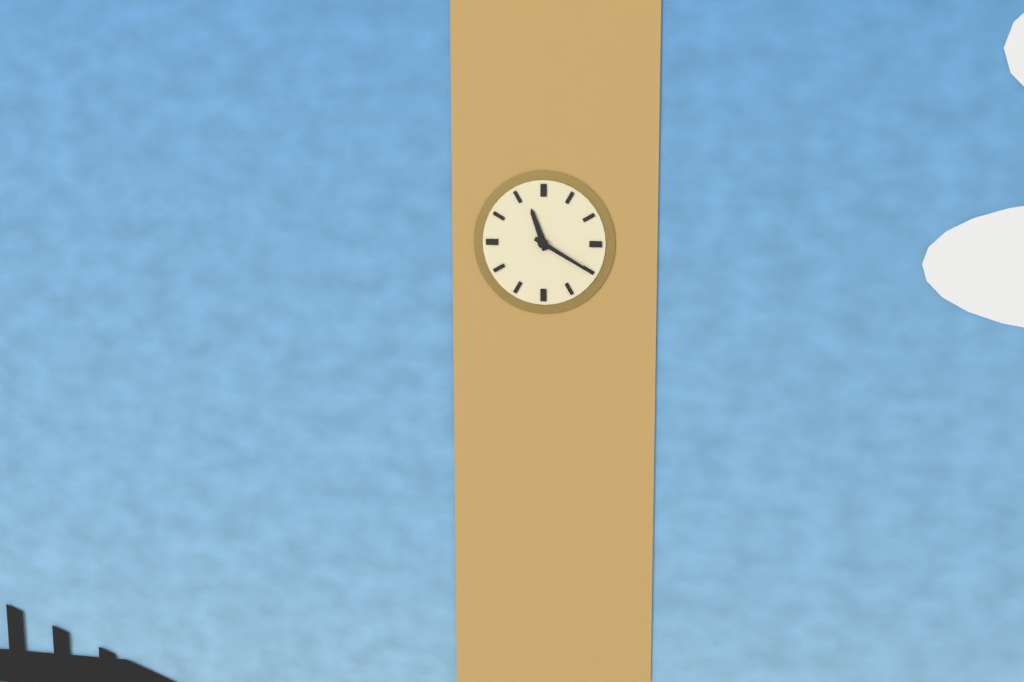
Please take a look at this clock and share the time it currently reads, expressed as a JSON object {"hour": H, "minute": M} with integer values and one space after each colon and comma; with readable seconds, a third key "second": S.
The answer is {"hour": 11, "minute": 20}
